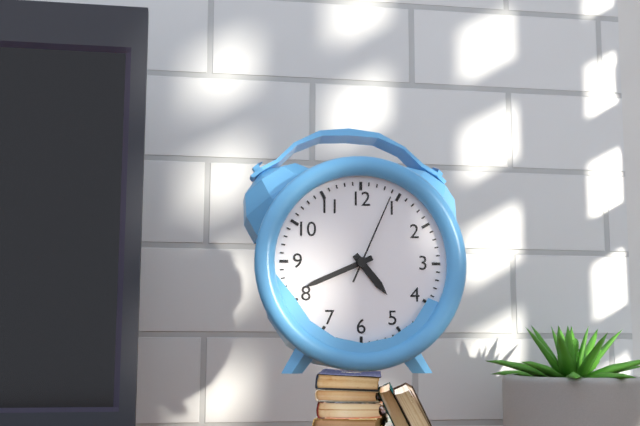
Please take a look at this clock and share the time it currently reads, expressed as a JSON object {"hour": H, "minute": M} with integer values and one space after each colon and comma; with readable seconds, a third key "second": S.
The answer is {"hour": 4, "minute": 41, "second": 4}
